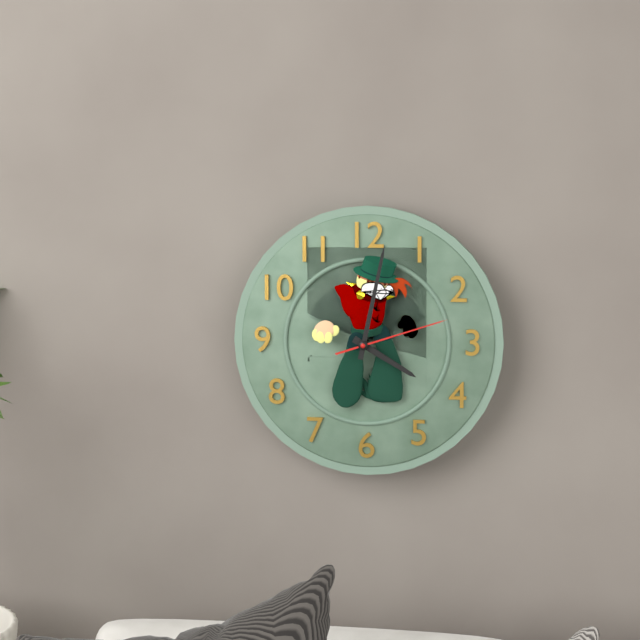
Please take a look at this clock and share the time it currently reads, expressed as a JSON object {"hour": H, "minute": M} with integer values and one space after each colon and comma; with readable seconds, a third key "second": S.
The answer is {"hour": 4, "minute": 2, "second": 12}
